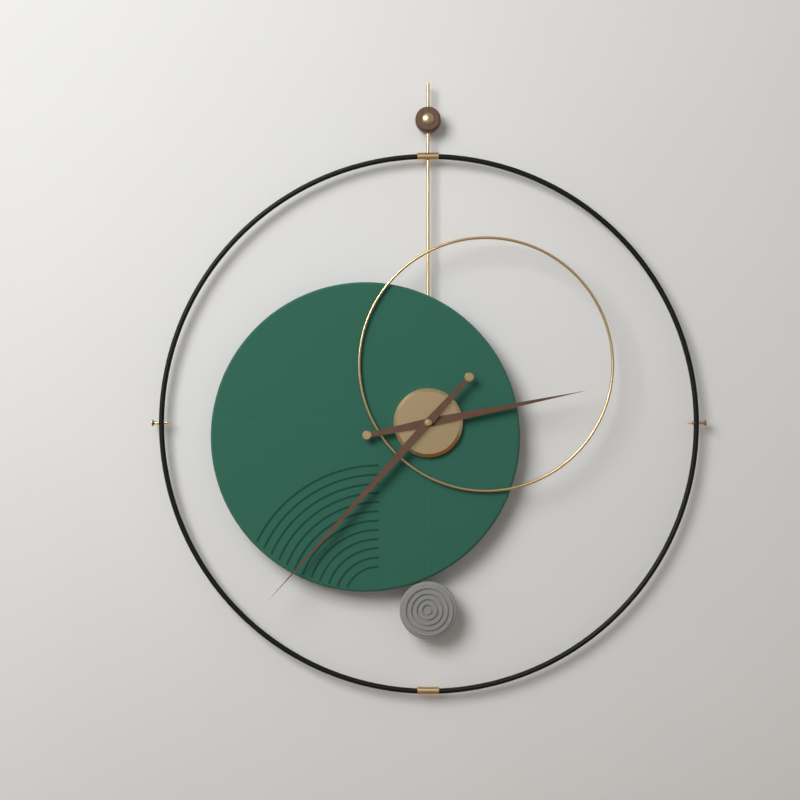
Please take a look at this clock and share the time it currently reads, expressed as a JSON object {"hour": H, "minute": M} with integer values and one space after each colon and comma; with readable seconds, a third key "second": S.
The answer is {"hour": 2, "minute": 37}
